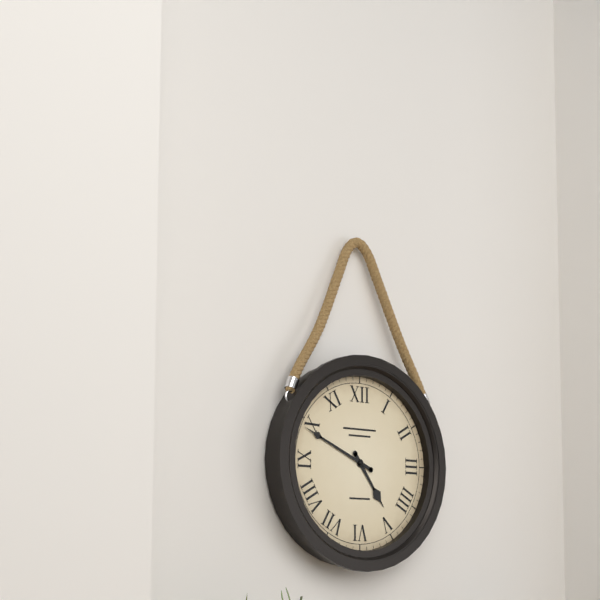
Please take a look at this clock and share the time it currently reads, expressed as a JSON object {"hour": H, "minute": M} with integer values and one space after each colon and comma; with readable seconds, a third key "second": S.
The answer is {"hour": 4, "minute": 49}
